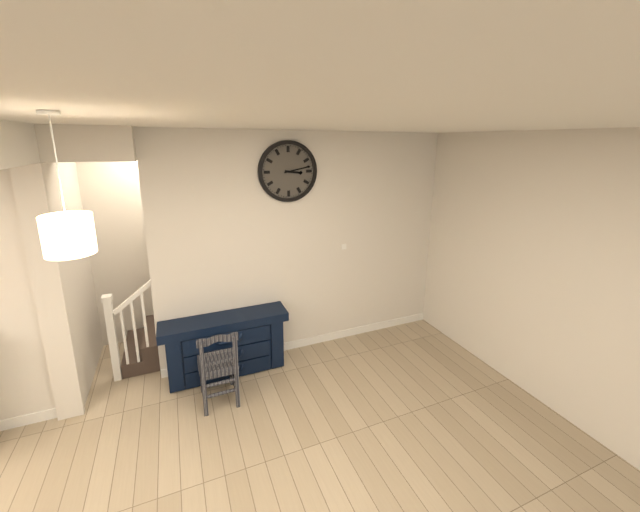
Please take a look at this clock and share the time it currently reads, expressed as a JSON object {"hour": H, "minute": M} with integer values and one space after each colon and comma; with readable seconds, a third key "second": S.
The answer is {"hour": 3, "minute": 13}
